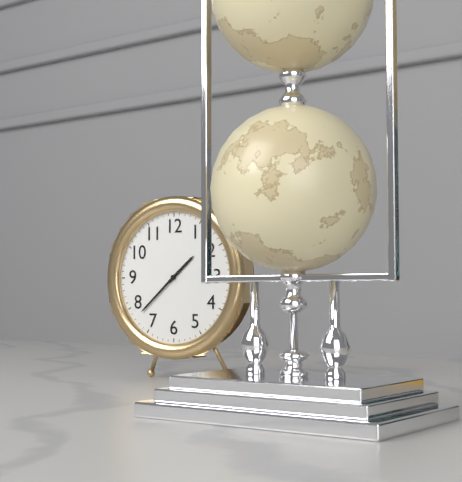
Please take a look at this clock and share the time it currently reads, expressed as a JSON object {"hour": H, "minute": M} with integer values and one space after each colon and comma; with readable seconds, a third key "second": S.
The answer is {"hour": 1, "minute": 38}
